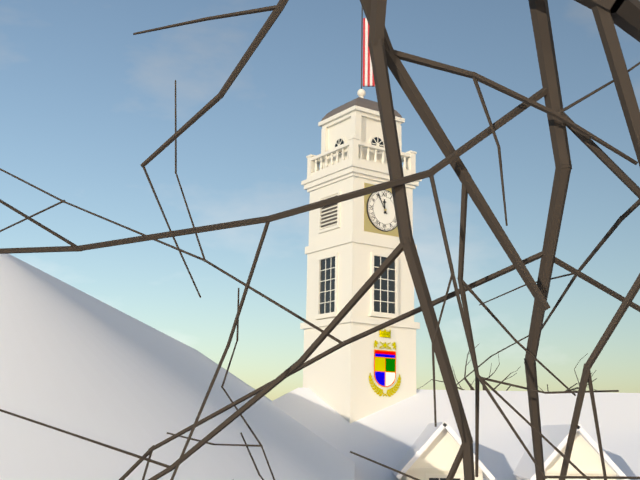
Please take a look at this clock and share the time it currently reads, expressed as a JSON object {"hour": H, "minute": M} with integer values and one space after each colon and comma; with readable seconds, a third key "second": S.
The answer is {"hour": 11, "minute": 55}
